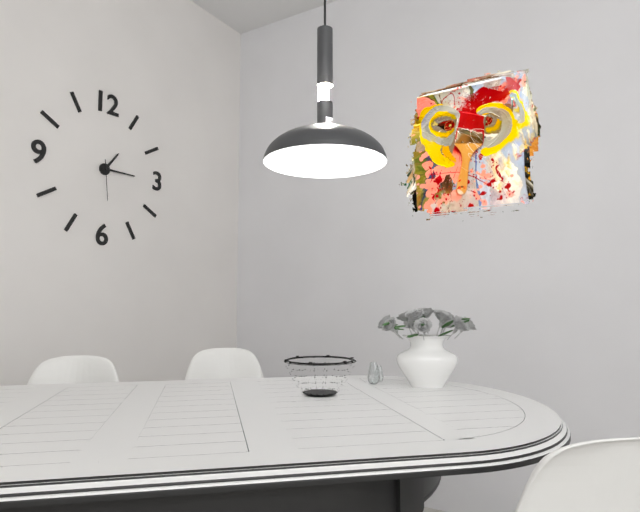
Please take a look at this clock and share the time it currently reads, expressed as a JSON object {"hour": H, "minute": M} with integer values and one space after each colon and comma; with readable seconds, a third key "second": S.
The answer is {"hour": 1, "minute": 15}
